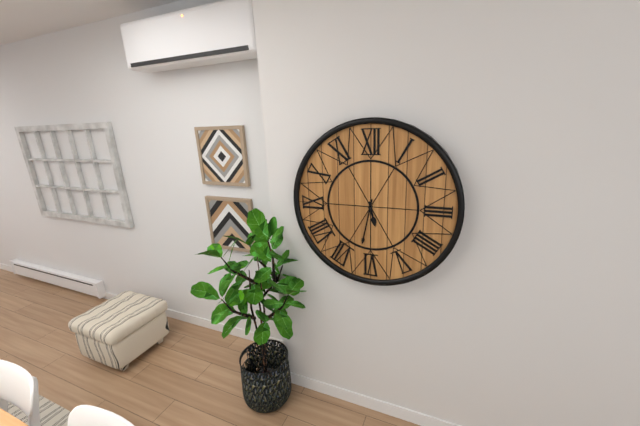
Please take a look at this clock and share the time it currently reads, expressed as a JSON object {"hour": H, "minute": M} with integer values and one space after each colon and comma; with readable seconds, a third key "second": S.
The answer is {"hour": 5, "minute": 32}
